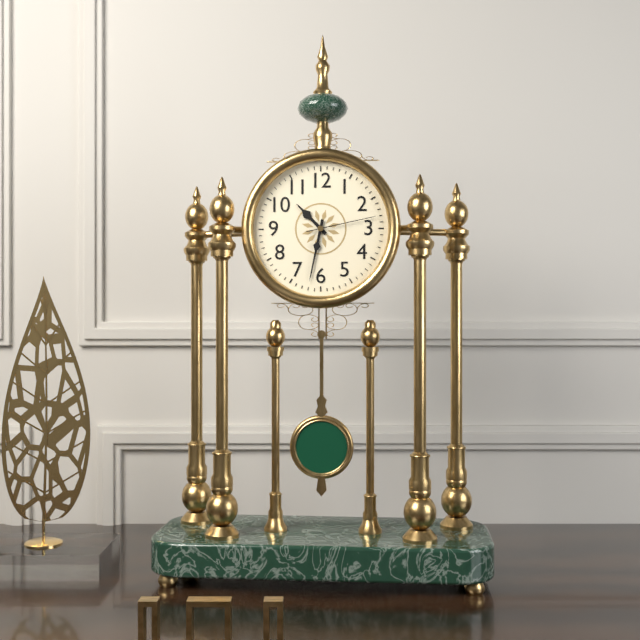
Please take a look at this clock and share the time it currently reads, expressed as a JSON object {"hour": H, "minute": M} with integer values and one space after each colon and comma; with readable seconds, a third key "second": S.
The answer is {"hour": 10, "minute": 32, "second": 13}
